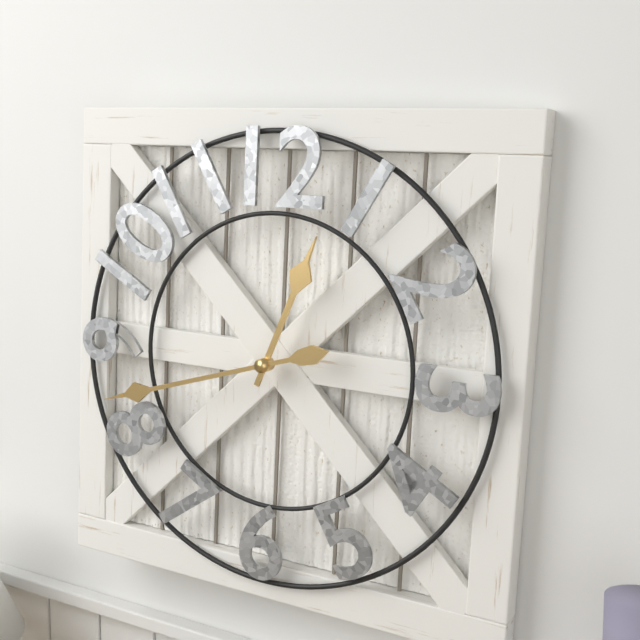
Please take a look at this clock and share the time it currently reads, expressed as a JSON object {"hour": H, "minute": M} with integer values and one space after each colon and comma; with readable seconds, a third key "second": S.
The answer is {"hour": 12, "minute": 42}
